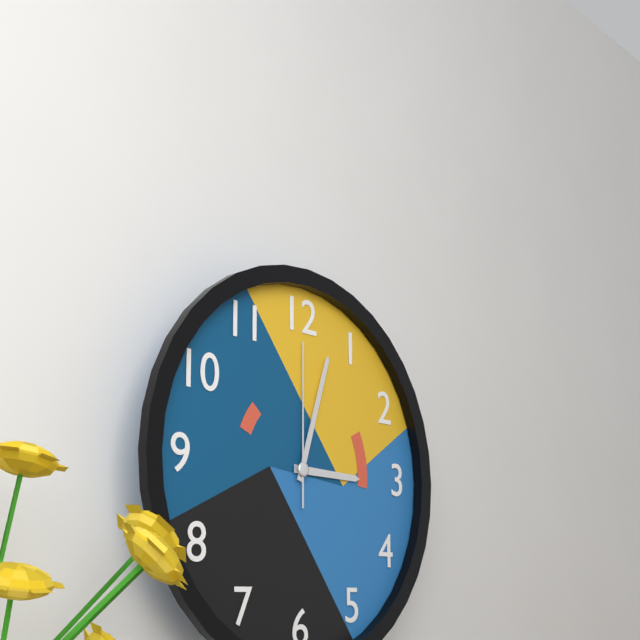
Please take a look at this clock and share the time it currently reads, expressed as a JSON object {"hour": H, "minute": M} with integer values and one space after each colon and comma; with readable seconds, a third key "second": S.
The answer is {"hour": 3, "minute": 3, "second": 0}
